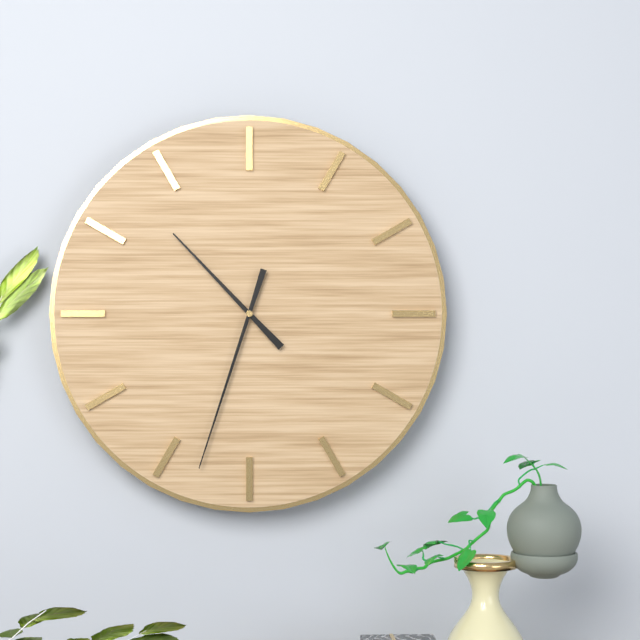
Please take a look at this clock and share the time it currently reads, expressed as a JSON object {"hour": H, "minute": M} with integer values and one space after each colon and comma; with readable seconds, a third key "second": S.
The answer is {"hour": 10, "minute": 33}
